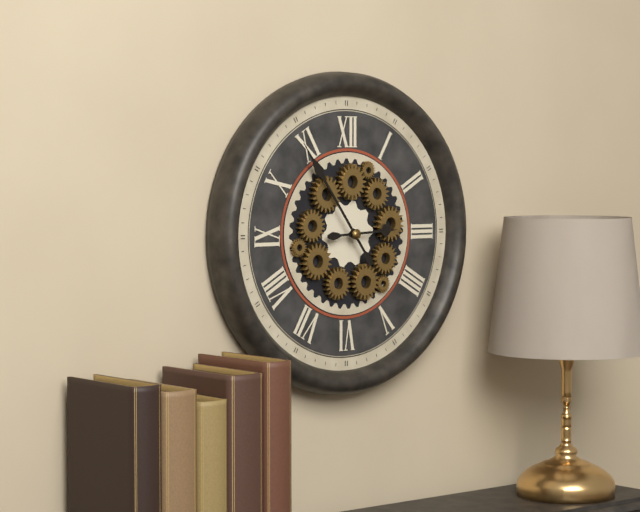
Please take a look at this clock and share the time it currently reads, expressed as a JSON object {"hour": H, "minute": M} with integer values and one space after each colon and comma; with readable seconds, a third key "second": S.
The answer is {"hour": 2, "minute": 54}
